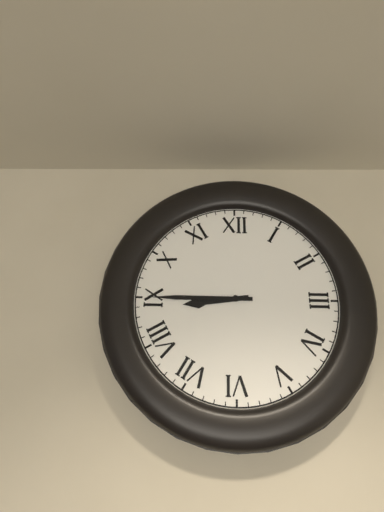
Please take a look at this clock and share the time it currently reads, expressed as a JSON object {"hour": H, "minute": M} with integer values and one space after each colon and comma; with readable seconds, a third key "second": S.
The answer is {"hour": 8, "minute": 45}
